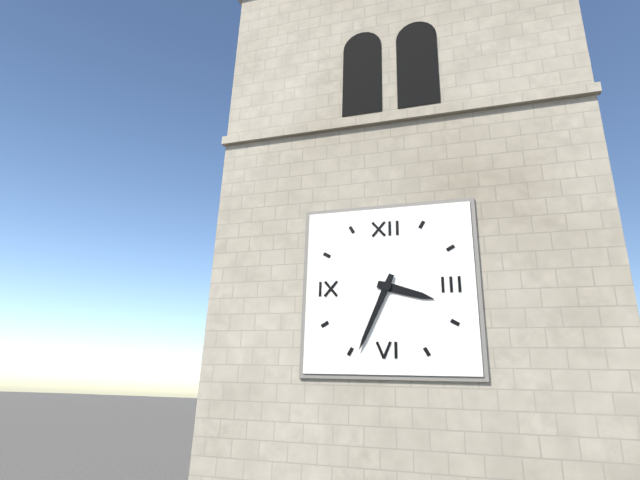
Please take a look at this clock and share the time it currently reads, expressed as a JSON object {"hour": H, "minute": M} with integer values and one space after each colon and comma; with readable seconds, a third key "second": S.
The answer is {"hour": 3, "minute": 34}
